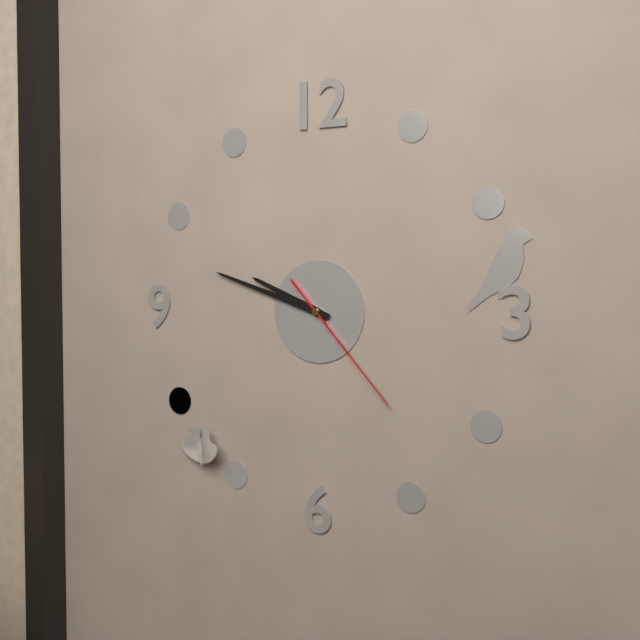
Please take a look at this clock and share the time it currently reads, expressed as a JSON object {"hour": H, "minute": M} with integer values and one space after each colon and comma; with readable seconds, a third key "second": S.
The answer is {"hour": 9, "minute": 48, "second": 23}
